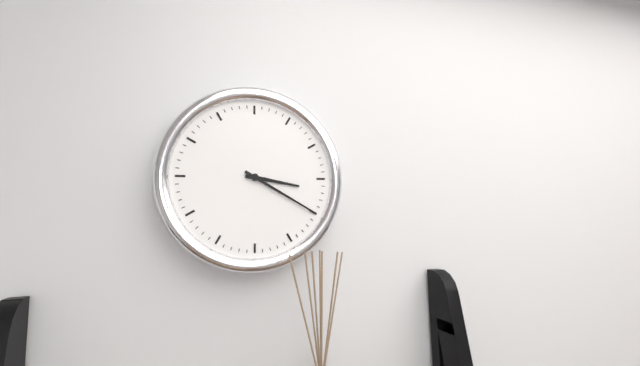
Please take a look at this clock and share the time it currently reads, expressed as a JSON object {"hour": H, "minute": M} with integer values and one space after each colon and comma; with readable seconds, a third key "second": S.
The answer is {"hour": 3, "minute": 20}
